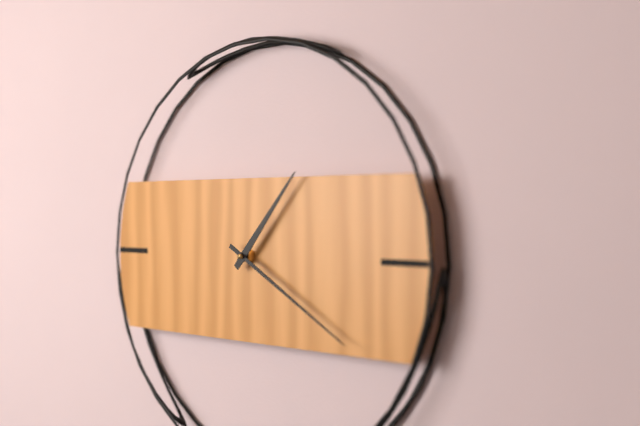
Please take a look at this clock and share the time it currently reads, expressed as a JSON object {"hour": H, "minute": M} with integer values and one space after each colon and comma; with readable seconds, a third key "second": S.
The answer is {"hour": 1, "minute": 20}
